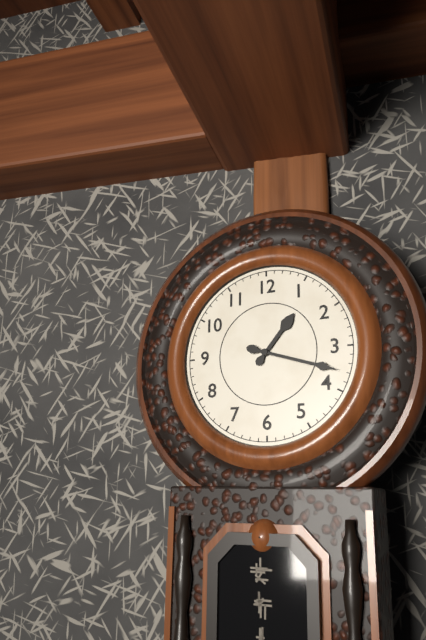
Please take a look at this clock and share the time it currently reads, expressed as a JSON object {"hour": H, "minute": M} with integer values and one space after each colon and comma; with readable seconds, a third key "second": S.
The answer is {"hour": 1, "minute": 18}
